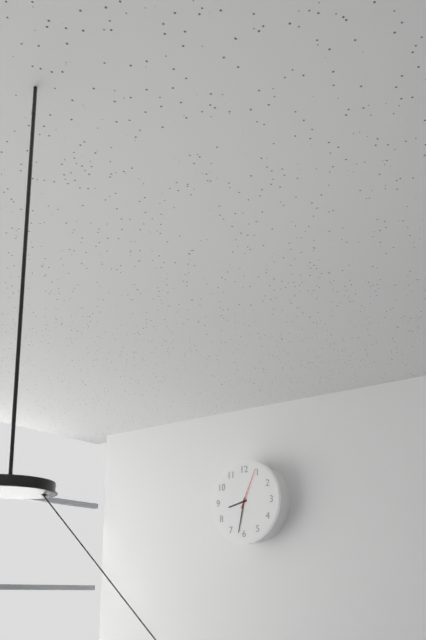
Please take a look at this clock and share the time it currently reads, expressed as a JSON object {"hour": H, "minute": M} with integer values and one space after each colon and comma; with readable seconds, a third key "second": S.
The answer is {"hour": 8, "minute": 32}
